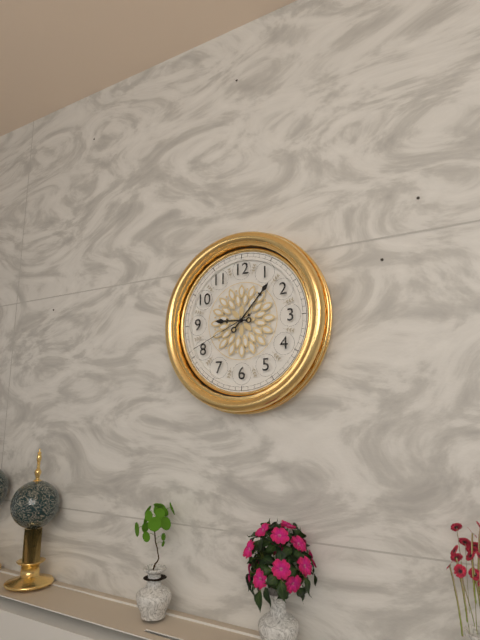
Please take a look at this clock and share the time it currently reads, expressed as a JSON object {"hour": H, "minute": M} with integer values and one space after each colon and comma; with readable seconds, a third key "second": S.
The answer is {"hour": 9, "minute": 7, "second": 41}
